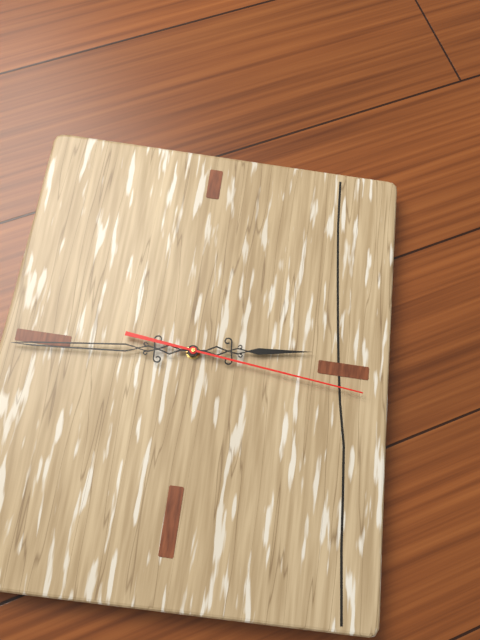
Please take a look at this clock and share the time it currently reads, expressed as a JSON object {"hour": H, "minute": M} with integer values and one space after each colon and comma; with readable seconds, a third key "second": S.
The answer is {"hour": 2, "minute": 44, "second": 16}
